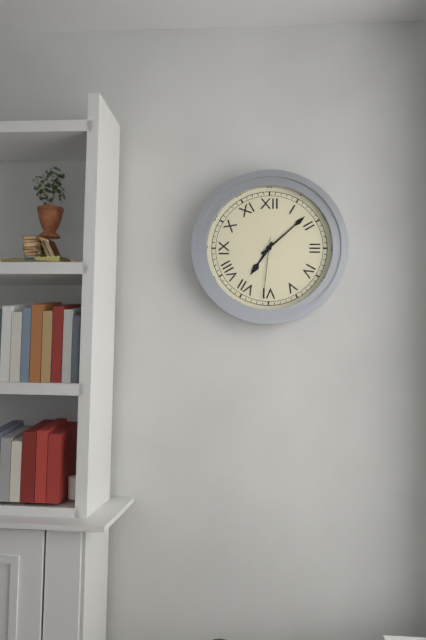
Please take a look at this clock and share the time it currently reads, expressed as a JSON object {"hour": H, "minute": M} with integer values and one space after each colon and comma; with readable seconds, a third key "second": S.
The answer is {"hour": 7, "minute": 8, "second": 31}
